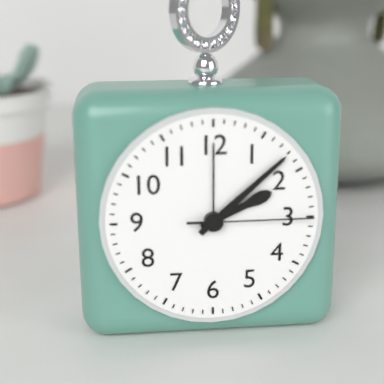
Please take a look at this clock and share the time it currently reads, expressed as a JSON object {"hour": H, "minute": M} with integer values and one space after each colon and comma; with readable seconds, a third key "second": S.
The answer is {"hour": 2, "minute": 8, "second": 15}
